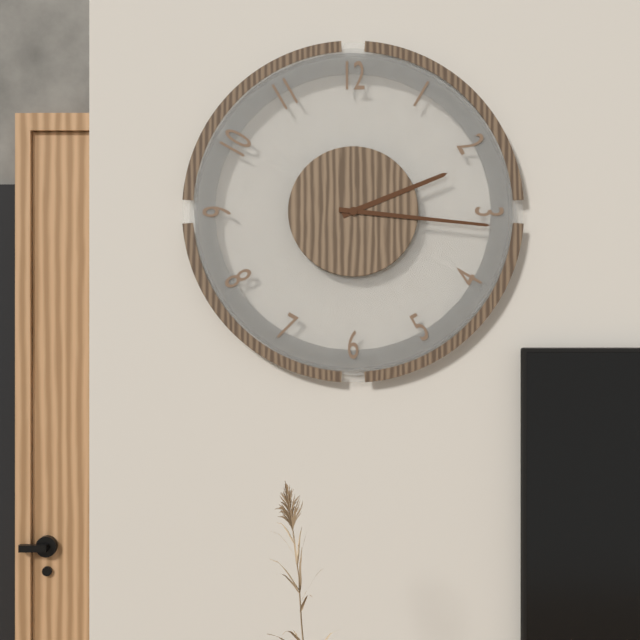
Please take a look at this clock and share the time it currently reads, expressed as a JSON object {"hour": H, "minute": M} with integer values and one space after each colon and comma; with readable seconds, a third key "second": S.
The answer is {"hour": 2, "minute": 16}
